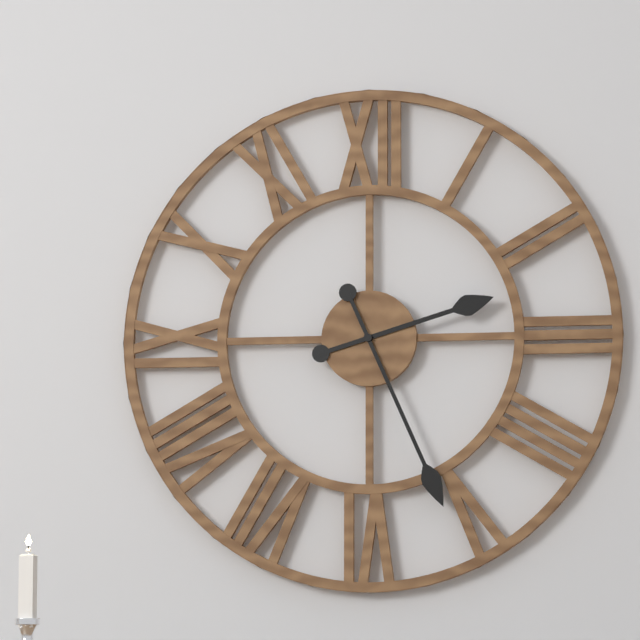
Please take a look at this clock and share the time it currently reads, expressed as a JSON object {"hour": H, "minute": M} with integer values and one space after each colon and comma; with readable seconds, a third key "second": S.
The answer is {"hour": 2, "minute": 26}
